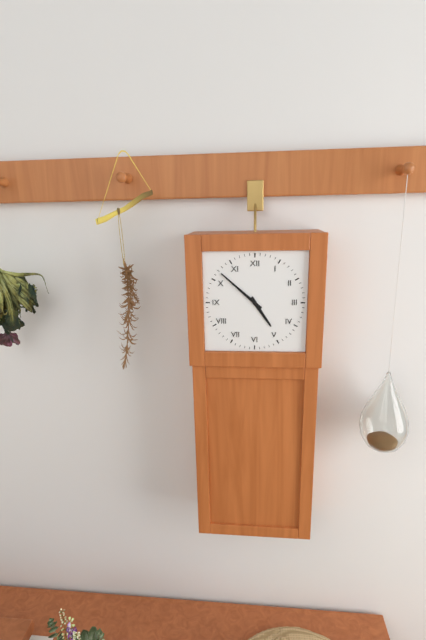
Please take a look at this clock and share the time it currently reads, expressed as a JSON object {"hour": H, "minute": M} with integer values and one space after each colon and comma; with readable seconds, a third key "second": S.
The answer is {"hour": 4, "minute": 52}
